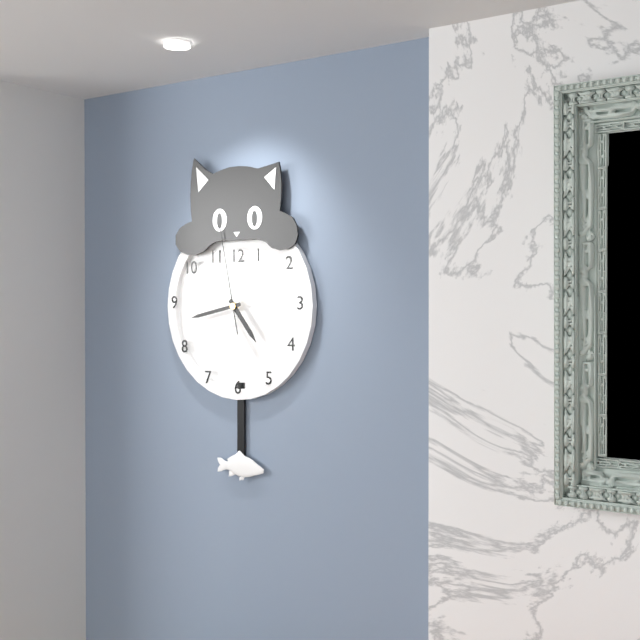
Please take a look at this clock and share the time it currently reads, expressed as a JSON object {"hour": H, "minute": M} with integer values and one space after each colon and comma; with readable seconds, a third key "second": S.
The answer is {"hour": 4, "minute": 43, "second": 58}
